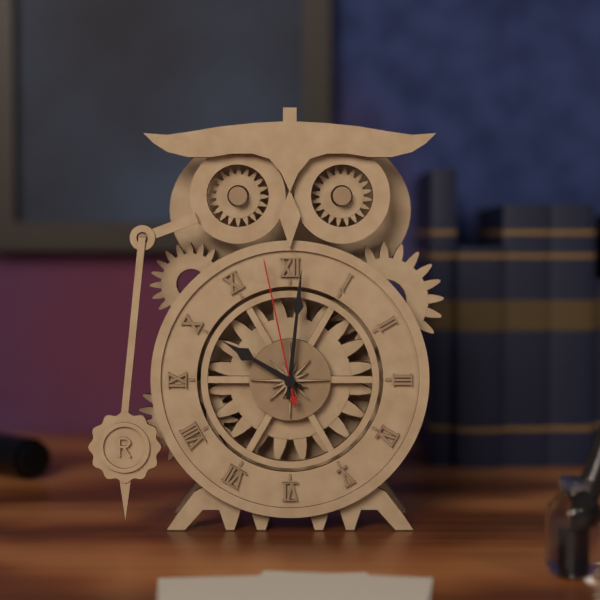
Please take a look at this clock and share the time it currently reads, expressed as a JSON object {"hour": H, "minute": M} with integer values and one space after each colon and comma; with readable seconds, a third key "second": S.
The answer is {"hour": 10, "minute": 1, "second": 58}
